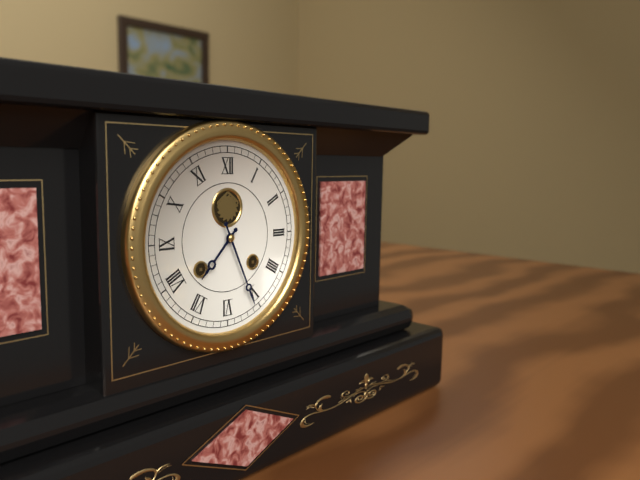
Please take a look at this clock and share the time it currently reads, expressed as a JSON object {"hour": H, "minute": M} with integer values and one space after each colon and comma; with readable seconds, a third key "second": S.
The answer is {"hour": 7, "minute": 26}
